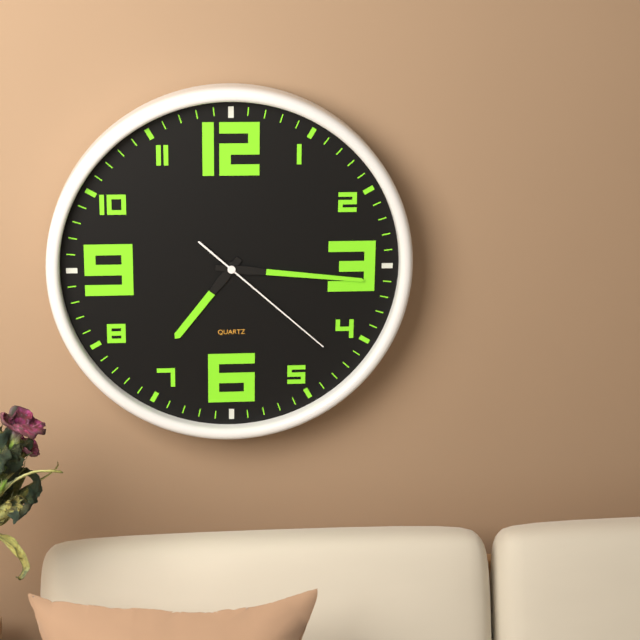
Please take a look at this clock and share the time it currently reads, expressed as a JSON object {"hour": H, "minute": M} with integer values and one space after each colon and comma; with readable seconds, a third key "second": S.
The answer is {"hour": 7, "minute": 16, "second": 22}
